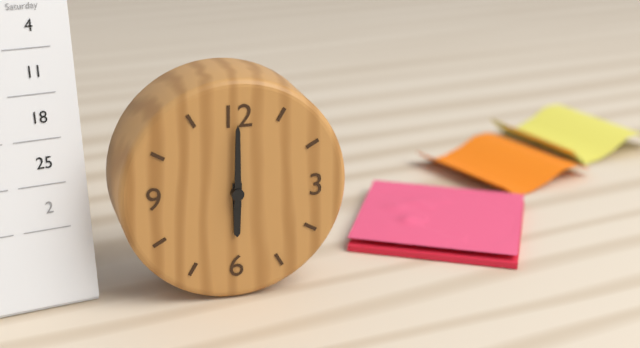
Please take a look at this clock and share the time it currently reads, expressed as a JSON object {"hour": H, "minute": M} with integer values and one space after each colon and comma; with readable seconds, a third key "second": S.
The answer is {"hour": 6, "minute": 0}
